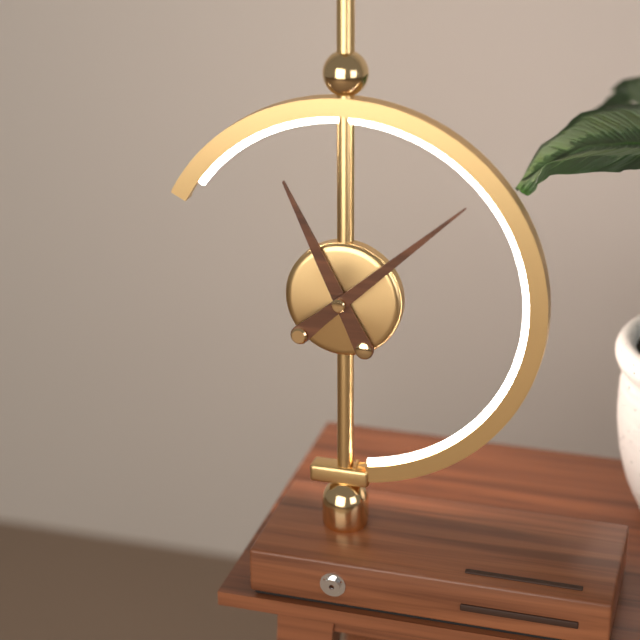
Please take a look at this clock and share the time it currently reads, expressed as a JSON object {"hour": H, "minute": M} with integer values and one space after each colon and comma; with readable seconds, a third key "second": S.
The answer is {"hour": 11, "minute": 8}
